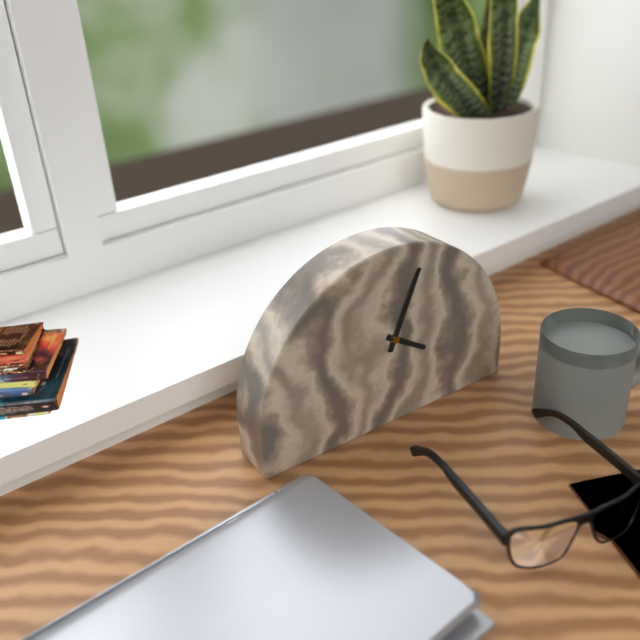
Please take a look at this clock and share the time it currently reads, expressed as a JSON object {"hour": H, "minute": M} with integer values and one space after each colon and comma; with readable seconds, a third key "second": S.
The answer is {"hour": 4, "minute": 4}
